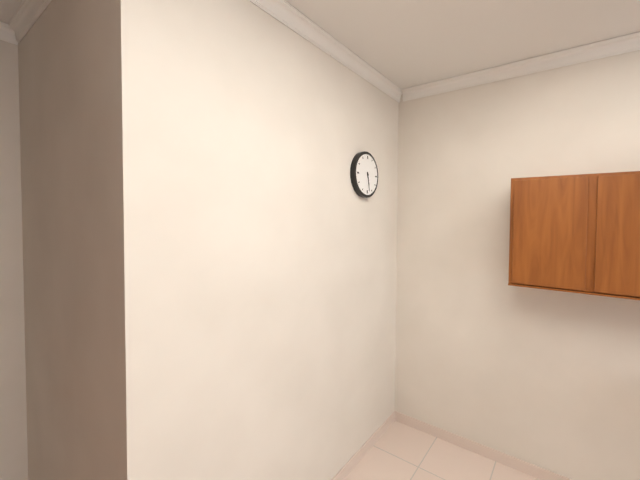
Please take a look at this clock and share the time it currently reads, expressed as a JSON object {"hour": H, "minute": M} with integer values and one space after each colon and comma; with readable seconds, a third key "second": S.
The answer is {"hour": 5, "minute": 28}
